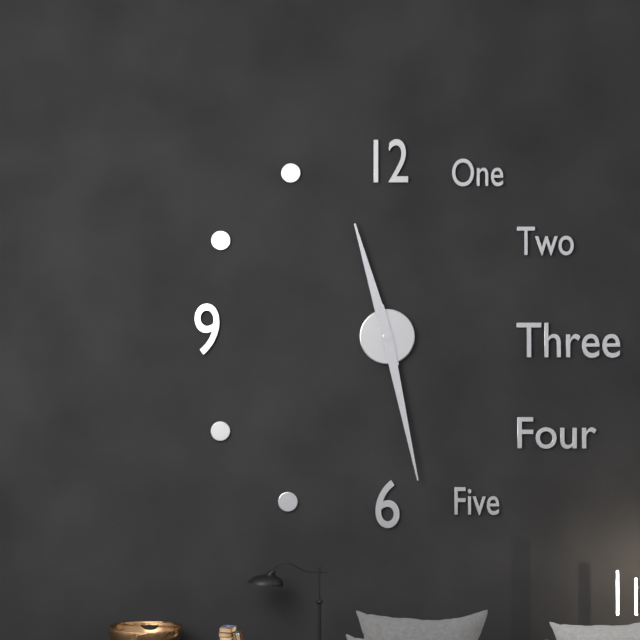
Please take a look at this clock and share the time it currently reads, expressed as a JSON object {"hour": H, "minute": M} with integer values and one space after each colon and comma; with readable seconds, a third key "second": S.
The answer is {"hour": 11, "minute": 28}
